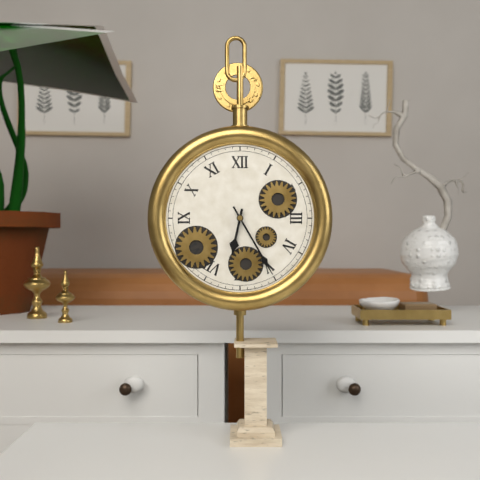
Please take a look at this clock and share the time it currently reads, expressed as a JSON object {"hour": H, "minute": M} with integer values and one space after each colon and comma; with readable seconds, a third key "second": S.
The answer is {"hour": 6, "minute": 25}
